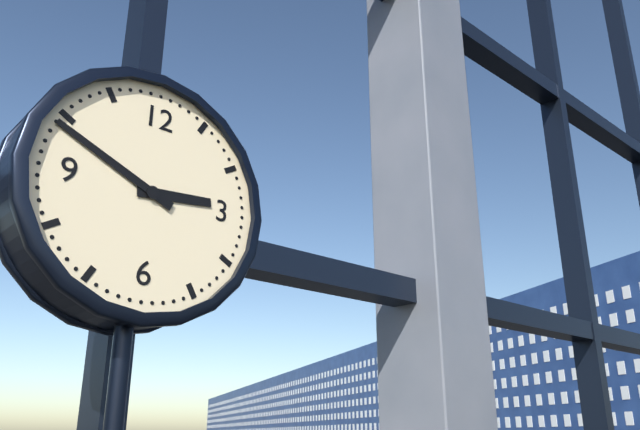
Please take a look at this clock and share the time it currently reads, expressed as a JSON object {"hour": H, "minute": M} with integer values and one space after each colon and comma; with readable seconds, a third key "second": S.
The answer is {"hour": 2, "minute": 49}
